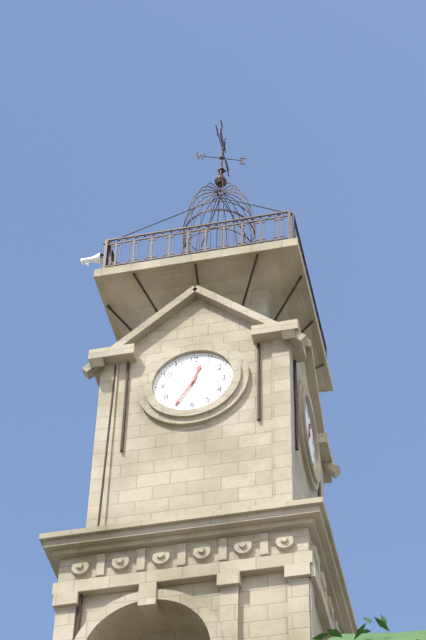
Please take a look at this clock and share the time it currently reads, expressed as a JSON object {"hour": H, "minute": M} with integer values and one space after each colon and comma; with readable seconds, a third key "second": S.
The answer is {"hour": 12, "minute": 35}
